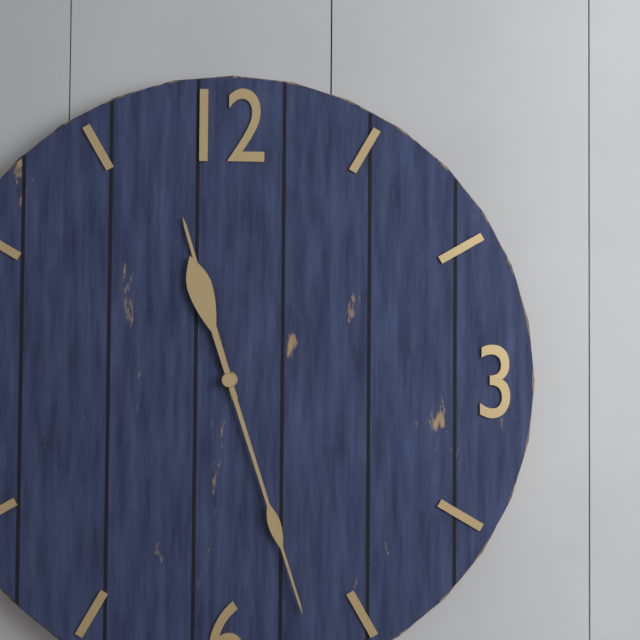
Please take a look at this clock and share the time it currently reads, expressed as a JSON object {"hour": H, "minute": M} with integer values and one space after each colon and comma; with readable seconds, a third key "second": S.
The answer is {"hour": 11, "minute": 27}
